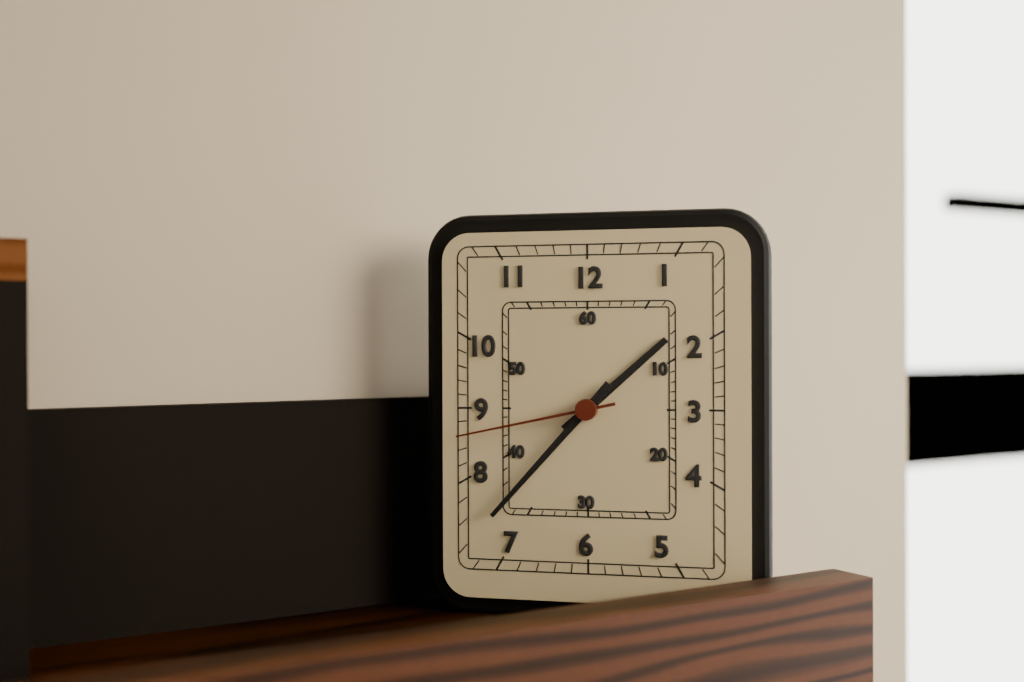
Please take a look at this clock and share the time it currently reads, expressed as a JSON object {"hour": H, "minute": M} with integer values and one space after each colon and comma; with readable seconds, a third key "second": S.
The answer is {"hour": 1, "minute": 37, "second": 43}
